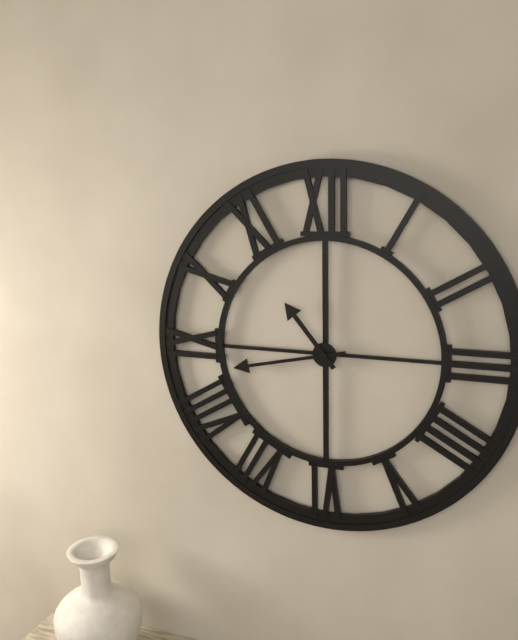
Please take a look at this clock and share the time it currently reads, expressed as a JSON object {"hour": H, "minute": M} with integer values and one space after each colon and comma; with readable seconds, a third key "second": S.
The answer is {"hour": 10, "minute": 43}
